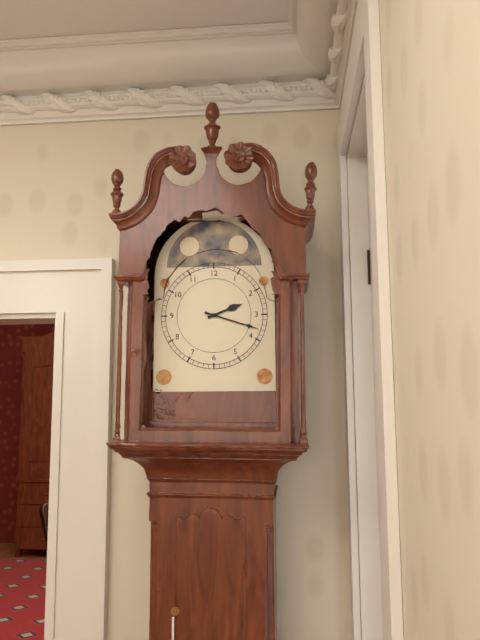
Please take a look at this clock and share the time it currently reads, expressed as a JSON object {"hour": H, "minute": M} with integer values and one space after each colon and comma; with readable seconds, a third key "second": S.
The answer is {"hour": 2, "minute": 18}
